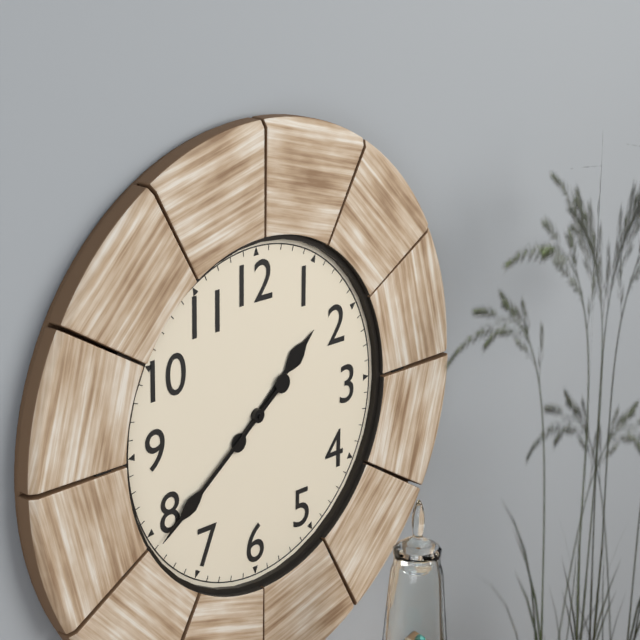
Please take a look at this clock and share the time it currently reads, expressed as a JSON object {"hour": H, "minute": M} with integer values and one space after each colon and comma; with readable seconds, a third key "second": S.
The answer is {"hour": 1, "minute": 39}
